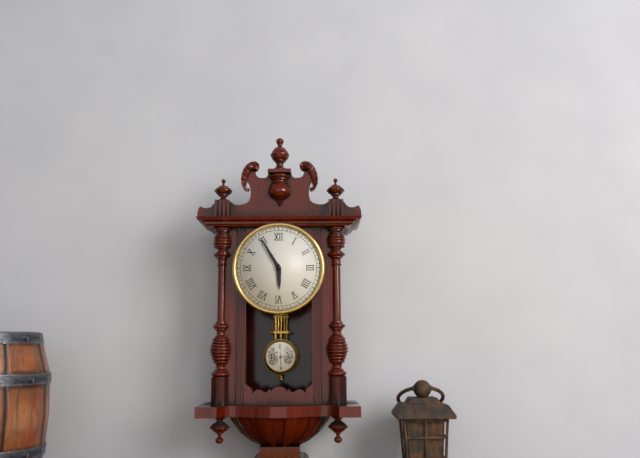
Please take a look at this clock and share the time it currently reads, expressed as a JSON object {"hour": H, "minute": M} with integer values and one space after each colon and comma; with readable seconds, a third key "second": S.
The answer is {"hour": 5, "minute": 55}
